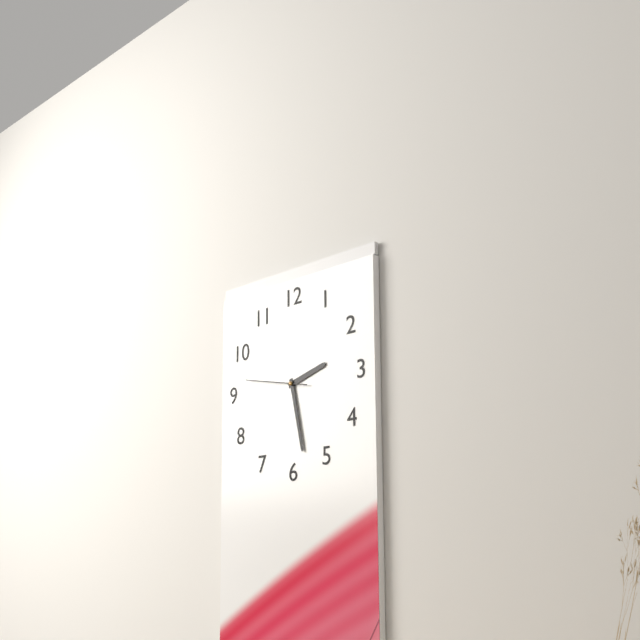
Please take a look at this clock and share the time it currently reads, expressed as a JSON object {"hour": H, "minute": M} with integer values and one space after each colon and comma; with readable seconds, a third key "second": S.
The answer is {"hour": 2, "minute": 28, "second": 47}
